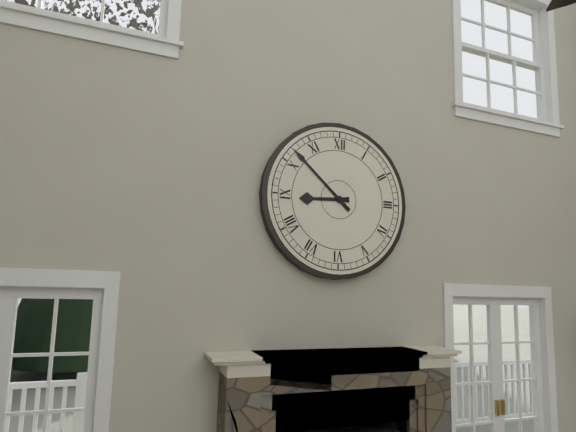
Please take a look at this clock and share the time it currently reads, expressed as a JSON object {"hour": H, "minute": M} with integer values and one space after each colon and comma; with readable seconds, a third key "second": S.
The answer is {"hour": 8, "minute": 52}
